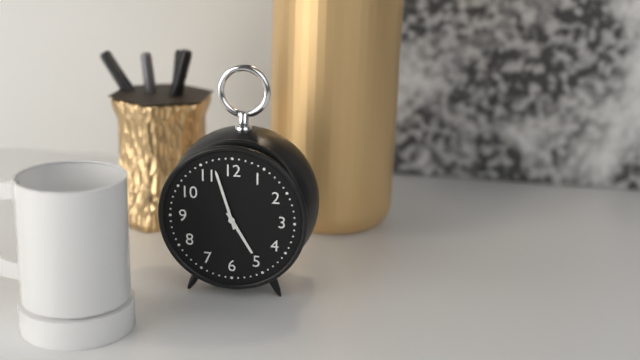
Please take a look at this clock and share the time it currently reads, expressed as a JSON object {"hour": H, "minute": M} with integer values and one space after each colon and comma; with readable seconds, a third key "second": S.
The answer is {"hour": 4, "minute": 57}
